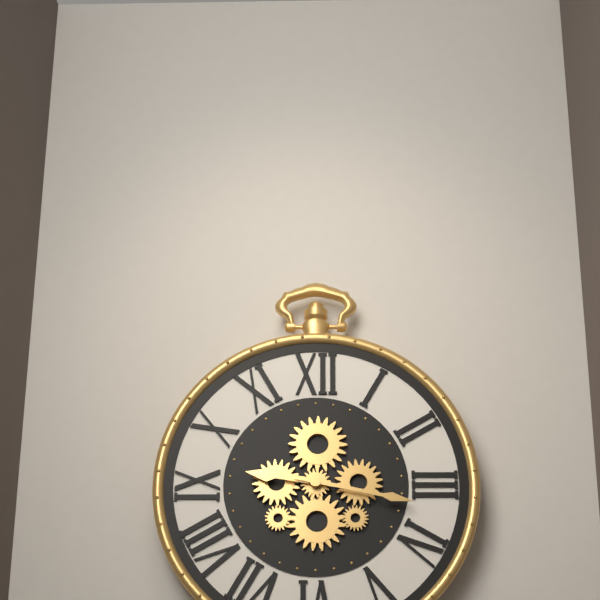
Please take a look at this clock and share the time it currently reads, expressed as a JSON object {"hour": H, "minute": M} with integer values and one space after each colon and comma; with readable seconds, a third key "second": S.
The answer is {"hour": 9, "minute": 17}
